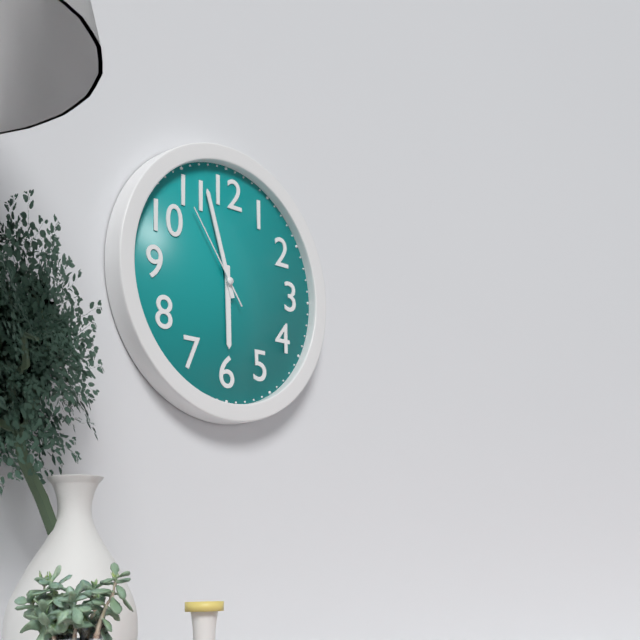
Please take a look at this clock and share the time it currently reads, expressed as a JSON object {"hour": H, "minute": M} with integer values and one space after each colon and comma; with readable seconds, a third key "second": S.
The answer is {"hour": 5, "minute": 57, "second": 54}
